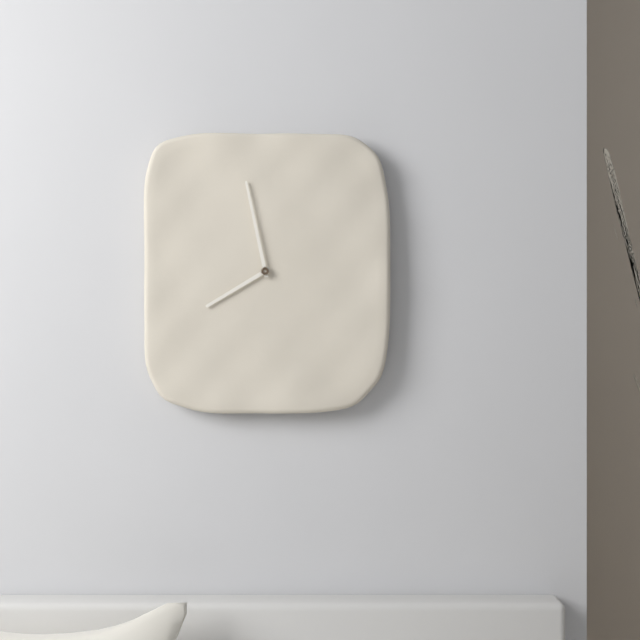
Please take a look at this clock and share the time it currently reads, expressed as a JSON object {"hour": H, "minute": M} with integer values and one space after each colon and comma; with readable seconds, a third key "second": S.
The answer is {"hour": 7, "minute": 58}
